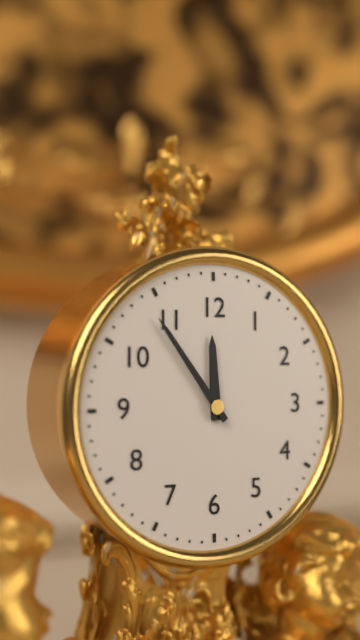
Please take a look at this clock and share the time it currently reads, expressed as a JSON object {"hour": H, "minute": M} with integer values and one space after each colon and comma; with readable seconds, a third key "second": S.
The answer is {"hour": 11, "minute": 54}
